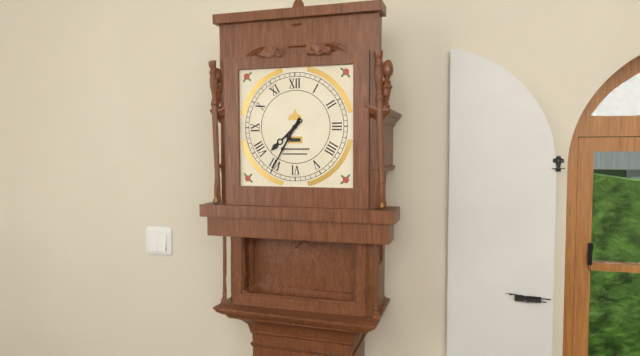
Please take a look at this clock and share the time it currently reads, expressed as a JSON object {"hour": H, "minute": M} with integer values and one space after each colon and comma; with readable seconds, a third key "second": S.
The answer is {"hour": 7, "minute": 35}
